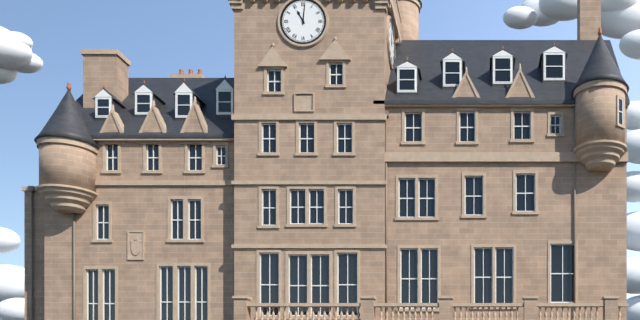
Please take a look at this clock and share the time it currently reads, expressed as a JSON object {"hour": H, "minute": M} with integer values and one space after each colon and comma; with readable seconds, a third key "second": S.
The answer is {"hour": 11, "minute": 1}
